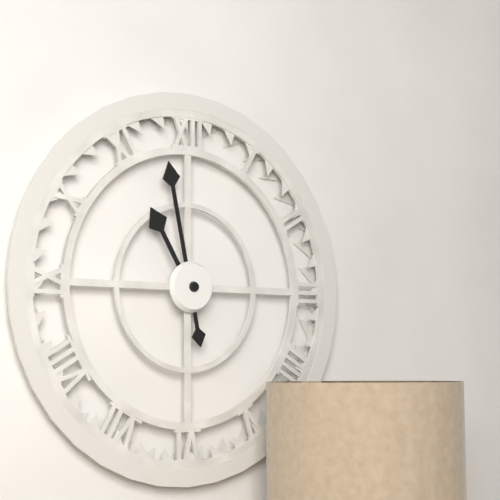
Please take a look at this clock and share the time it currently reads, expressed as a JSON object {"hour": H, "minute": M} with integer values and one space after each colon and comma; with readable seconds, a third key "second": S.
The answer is {"hour": 10, "minute": 58}
